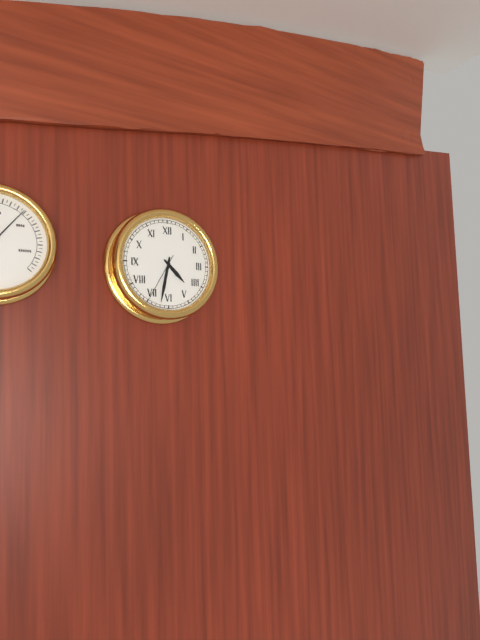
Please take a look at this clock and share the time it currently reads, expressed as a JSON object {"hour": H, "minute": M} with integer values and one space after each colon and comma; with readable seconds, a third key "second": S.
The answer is {"hour": 4, "minute": 32}
